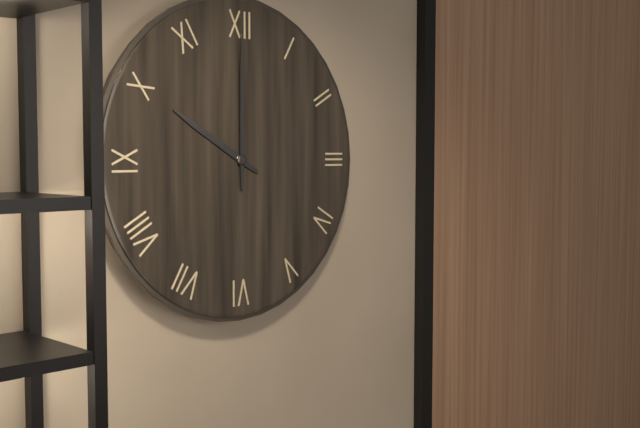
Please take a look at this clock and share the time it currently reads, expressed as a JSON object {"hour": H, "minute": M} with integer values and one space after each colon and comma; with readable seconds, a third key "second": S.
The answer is {"hour": 10, "minute": 0}
